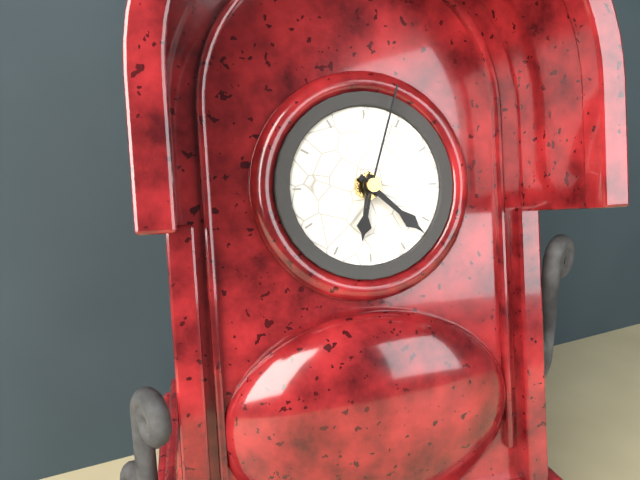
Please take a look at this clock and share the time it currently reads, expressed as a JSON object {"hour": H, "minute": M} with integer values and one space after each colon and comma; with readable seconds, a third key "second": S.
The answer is {"hour": 6, "minute": 22, "second": 3}
